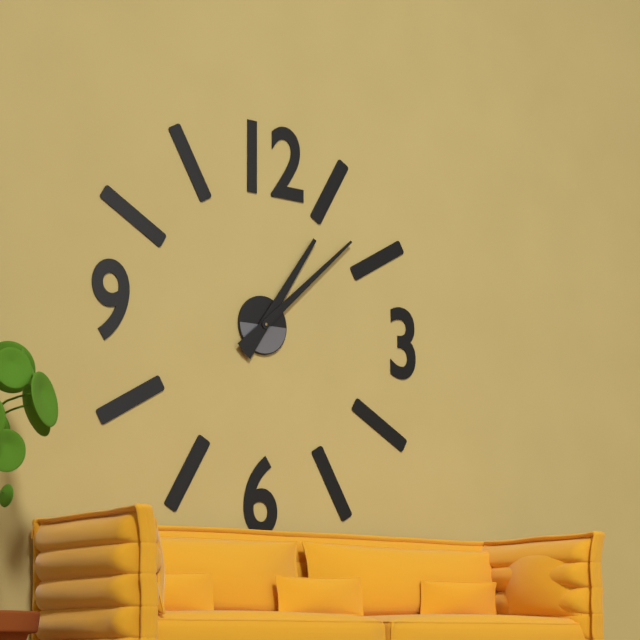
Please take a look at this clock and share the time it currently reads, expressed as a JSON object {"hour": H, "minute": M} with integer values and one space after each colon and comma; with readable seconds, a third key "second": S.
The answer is {"hour": 1, "minute": 8}
